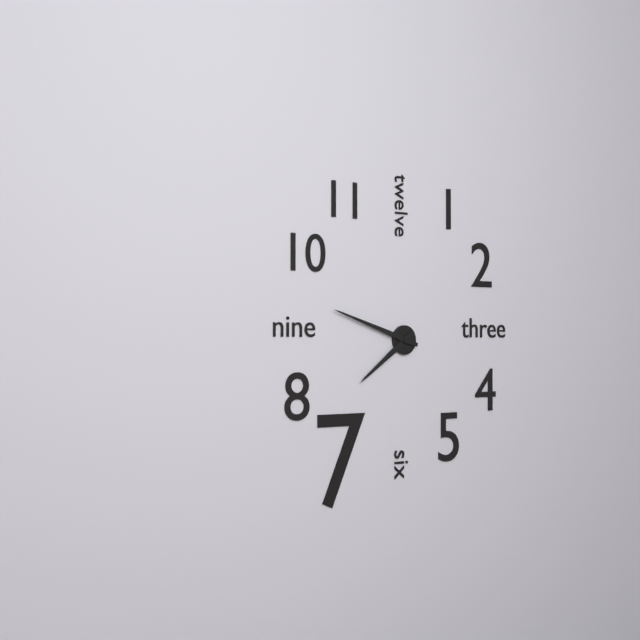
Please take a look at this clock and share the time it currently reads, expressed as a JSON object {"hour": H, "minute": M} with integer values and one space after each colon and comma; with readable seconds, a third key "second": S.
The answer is {"hour": 7, "minute": 48}
